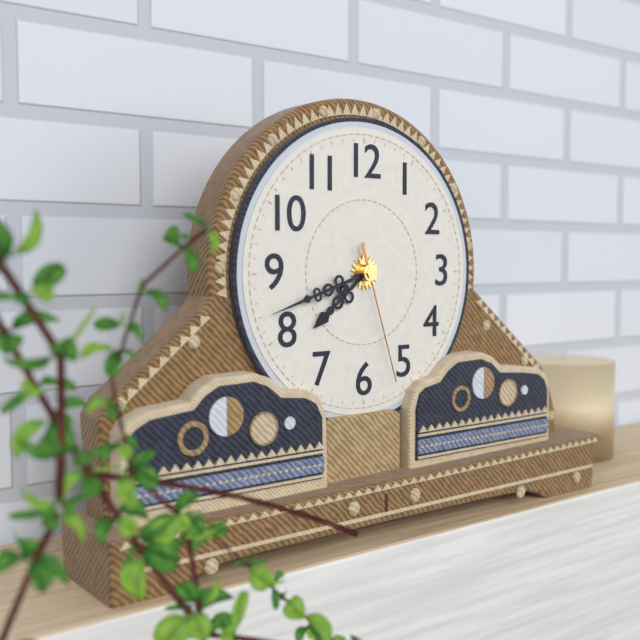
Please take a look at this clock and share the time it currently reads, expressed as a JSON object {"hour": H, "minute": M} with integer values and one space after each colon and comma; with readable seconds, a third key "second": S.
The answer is {"hour": 7, "minute": 42, "second": 27}
